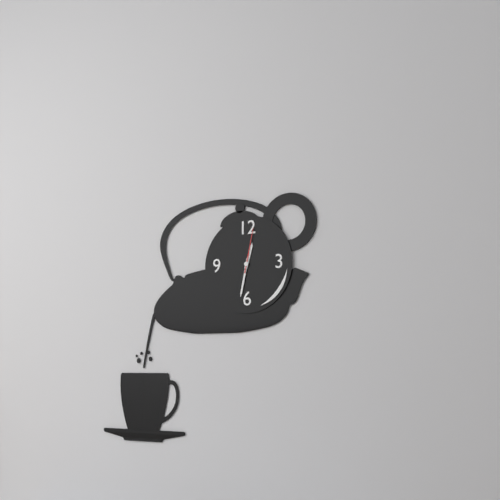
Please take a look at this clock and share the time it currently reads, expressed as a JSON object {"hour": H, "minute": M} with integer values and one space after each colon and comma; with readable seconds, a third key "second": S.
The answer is {"hour": 12, "minute": 32}
